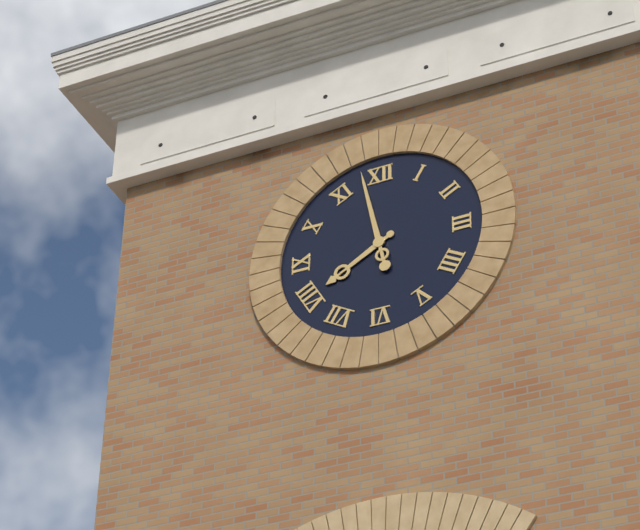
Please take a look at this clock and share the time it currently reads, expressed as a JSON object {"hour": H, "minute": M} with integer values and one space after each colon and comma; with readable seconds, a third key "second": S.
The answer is {"hour": 7, "minute": 58}
